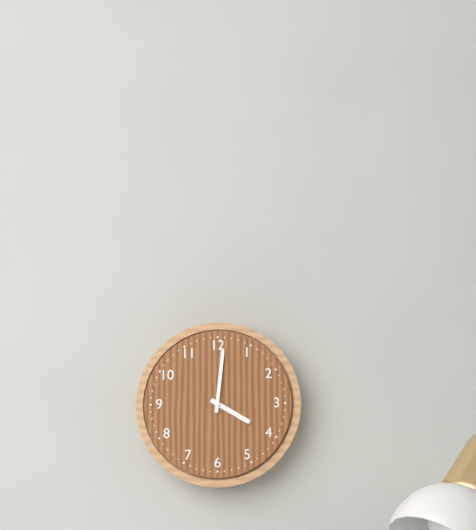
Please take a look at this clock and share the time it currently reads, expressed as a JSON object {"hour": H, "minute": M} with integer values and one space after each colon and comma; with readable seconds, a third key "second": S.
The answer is {"hour": 4, "minute": 1}
